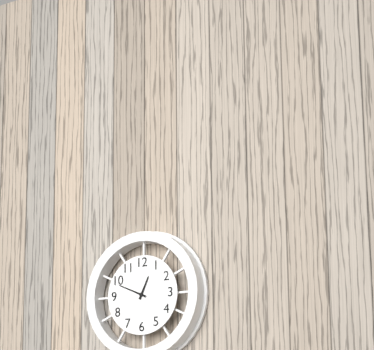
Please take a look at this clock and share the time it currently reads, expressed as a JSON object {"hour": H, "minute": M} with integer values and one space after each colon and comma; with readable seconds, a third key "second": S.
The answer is {"hour": 12, "minute": 49}
